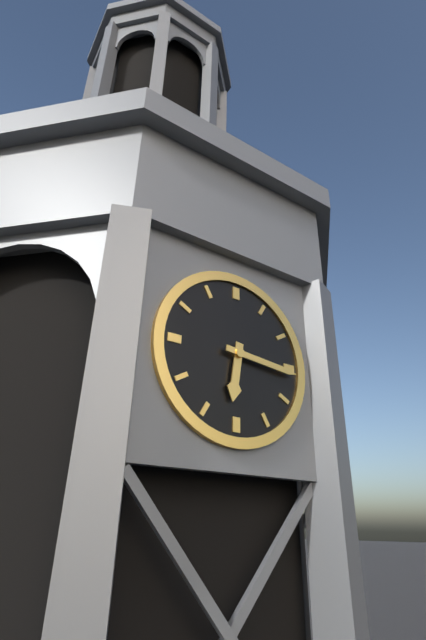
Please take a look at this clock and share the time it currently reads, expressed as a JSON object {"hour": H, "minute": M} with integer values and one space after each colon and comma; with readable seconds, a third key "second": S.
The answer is {"hour": 6, "minute": 16}
